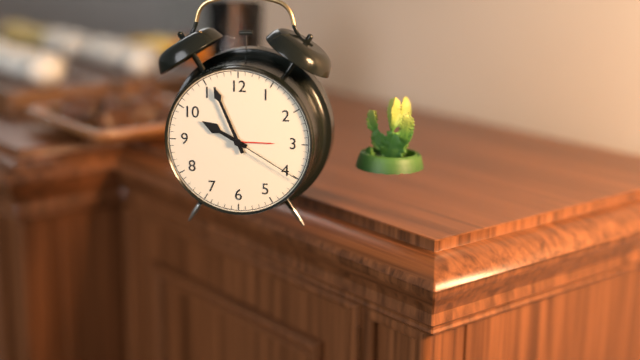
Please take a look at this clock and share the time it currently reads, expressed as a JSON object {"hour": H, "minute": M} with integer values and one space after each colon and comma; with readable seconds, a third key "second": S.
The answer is {"hour": 9, "minute": 56, "second": 20}
